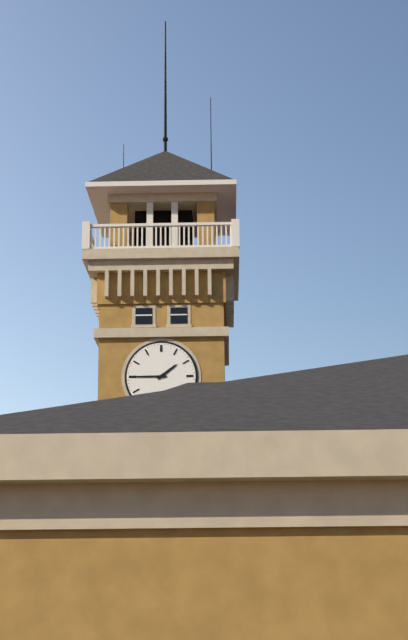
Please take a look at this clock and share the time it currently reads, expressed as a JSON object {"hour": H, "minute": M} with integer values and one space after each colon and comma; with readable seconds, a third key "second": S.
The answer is {"hour": 1, "minute": 45}
